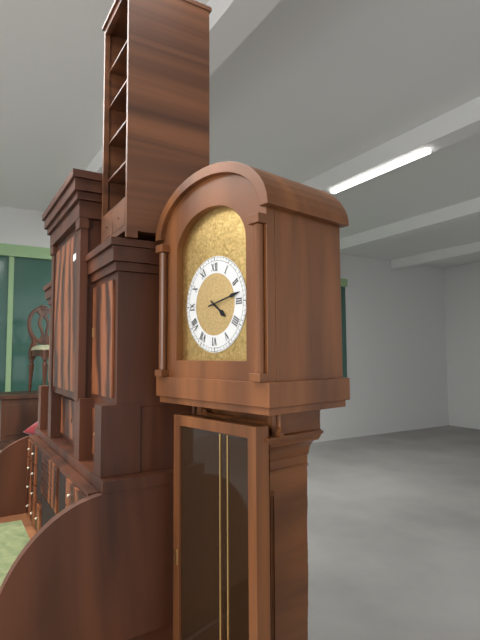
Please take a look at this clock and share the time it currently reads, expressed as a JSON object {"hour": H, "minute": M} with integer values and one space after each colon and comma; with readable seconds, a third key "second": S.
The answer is {"hour": 4, "minute": 13}
